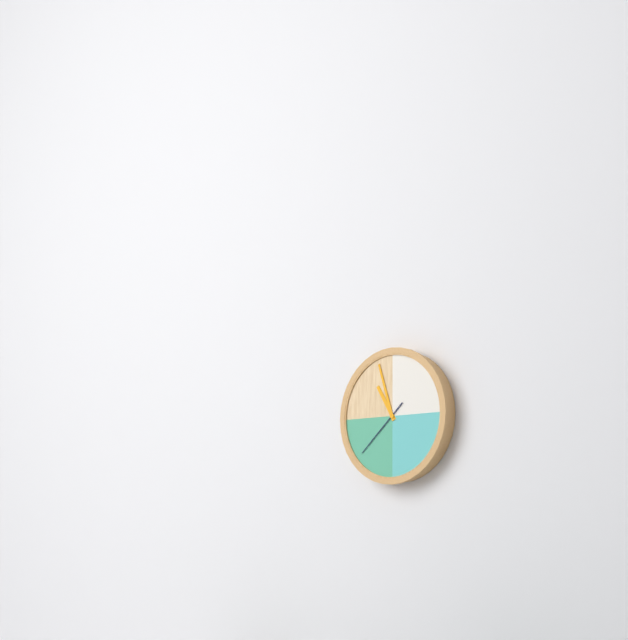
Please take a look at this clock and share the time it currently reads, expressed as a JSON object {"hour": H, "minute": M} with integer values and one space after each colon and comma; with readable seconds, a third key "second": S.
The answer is {"hour": 10, "minute": 57, "second": 38}
